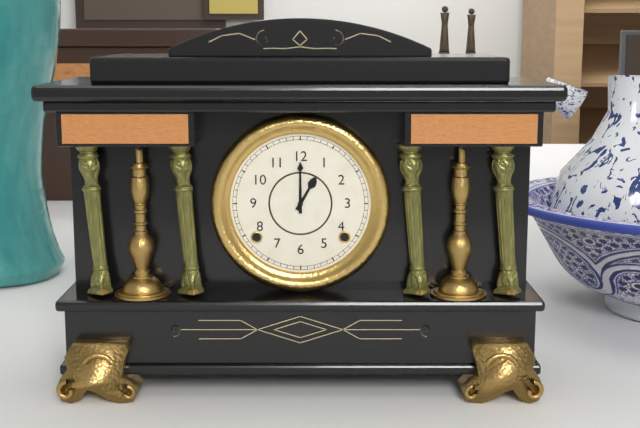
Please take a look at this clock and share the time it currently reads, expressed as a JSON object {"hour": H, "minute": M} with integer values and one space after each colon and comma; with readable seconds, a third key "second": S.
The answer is {"hour": 1, "minute": 0}
